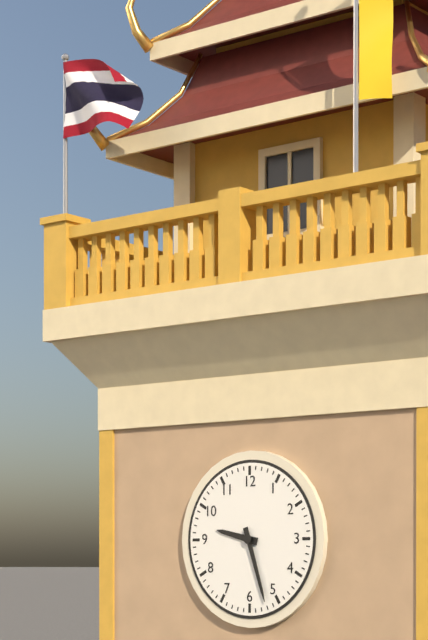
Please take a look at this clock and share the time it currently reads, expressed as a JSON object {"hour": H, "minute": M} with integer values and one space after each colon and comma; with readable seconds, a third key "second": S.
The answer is {"hour": 9, "minute": 27}
